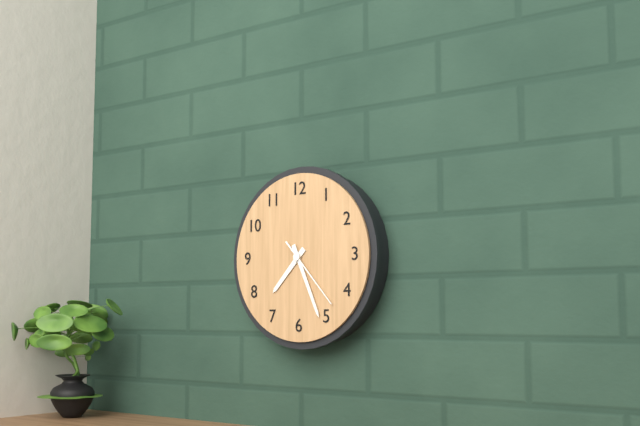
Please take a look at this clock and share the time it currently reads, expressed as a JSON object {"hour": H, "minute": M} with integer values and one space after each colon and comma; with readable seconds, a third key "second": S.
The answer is {"hour": 7, "minute": 26, "second": 23}
